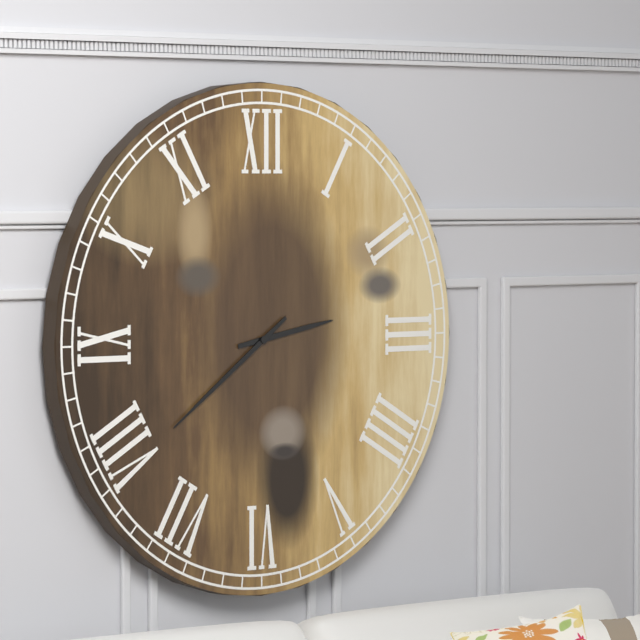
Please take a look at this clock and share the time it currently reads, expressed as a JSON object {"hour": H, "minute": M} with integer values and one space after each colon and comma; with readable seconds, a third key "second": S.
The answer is {"hour": 2, "minute": 39}
